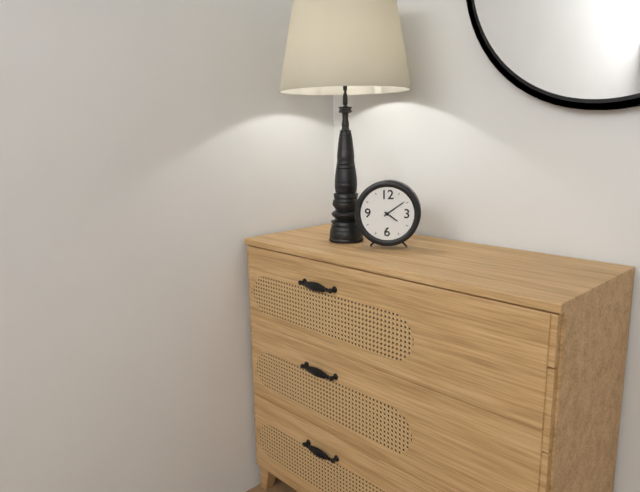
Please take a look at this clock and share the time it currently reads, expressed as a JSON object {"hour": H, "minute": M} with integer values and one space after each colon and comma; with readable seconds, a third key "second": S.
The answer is {"hour": 4, "minute": 9}
